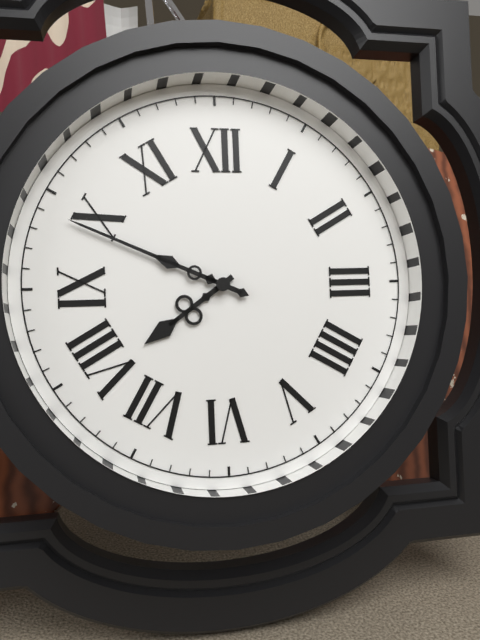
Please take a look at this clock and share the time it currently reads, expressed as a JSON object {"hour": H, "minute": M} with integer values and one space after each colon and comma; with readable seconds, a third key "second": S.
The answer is {"hour": 7, "minute": 49}
